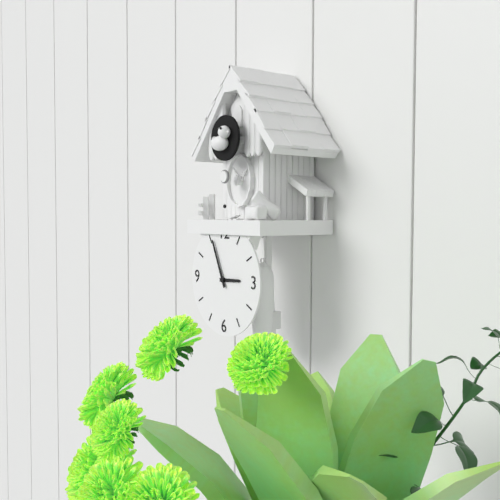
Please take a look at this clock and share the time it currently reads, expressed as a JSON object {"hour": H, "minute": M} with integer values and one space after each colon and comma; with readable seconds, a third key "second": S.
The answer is {"hour": 2, "minute": 56}
